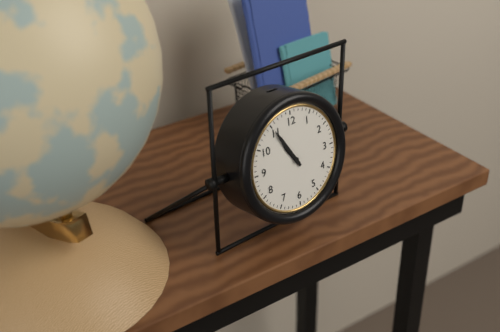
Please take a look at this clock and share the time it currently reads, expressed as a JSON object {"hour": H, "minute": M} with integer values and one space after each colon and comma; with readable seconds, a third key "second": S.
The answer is {"hour": 10, "minute": 55}
